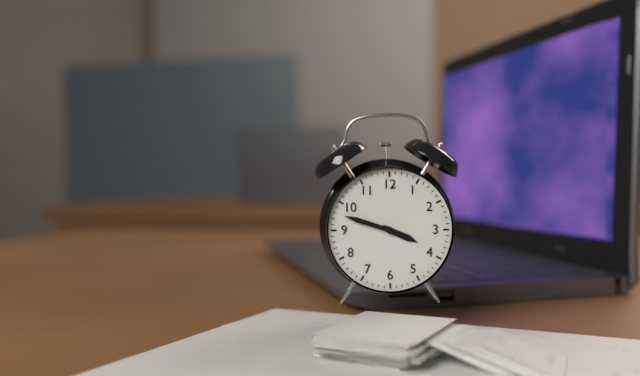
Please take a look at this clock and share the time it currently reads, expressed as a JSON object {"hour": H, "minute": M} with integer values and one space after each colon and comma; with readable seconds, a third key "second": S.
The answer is {"hour": 3, "minute": 48}
